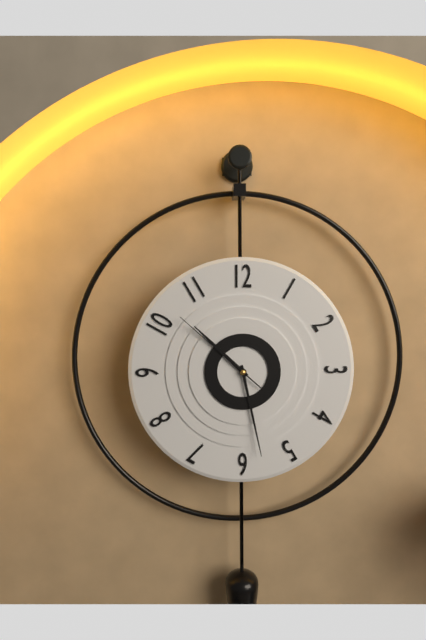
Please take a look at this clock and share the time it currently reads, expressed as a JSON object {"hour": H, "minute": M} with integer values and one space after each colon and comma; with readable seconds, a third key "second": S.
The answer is {"hour": 10, "minute": 28, "second": 52}
